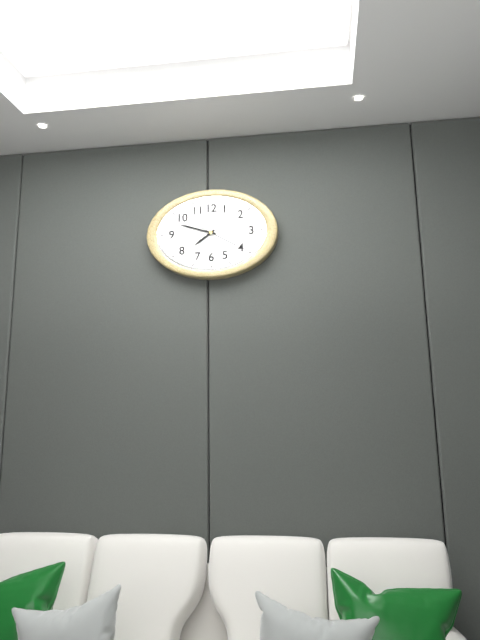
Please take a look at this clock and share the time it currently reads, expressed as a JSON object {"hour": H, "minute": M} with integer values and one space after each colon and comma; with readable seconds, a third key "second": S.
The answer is {"hour": 7, "minute": 48}
